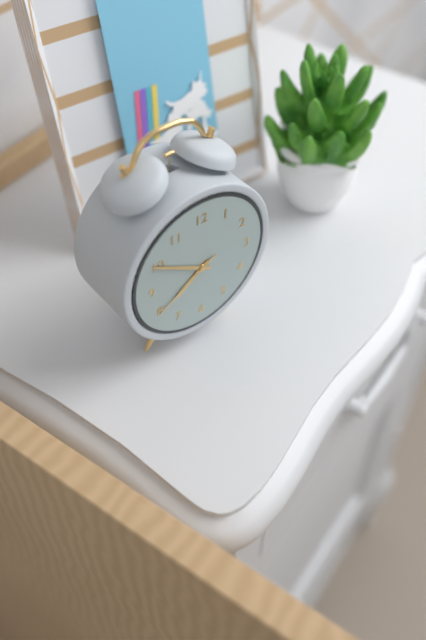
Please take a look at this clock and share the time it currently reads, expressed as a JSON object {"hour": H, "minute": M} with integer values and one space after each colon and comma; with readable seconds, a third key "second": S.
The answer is {"hour": 7, "minute": 50, "second": 40}
